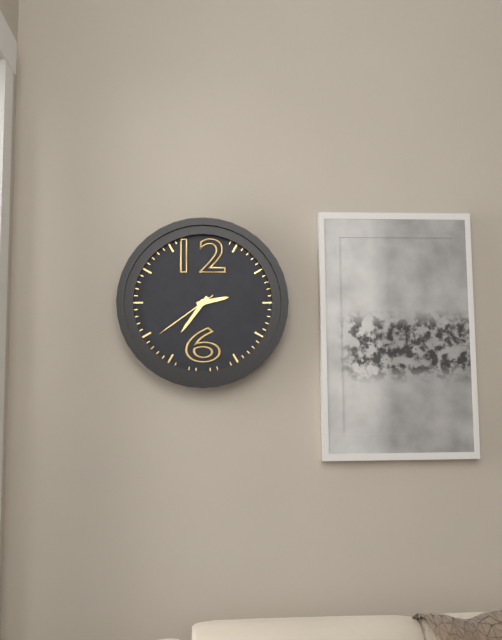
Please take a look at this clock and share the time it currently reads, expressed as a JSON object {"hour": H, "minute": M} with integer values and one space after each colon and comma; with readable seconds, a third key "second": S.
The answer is {"hour": 2, "minute": 36, "second": 39}
